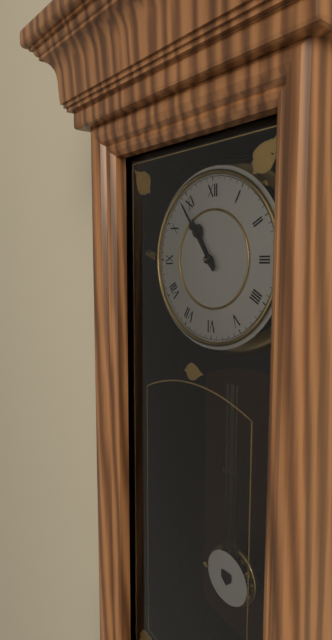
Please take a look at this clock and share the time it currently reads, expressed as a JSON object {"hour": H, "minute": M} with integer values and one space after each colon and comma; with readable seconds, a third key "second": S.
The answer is {"hour": 10, "minute": 54}
